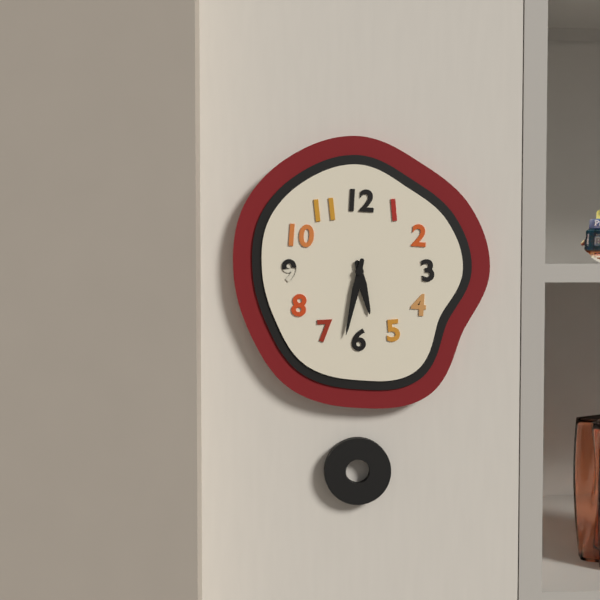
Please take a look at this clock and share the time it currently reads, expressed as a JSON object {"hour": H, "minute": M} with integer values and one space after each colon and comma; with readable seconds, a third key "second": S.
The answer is {"hour": 5, "minute": 32}
